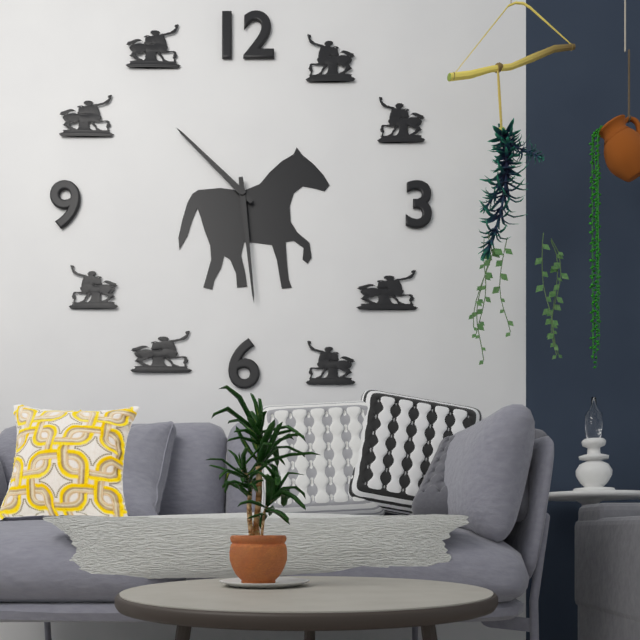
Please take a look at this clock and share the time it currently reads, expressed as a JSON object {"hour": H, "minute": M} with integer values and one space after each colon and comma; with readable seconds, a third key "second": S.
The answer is {"hour": 10, "minute": 29}
